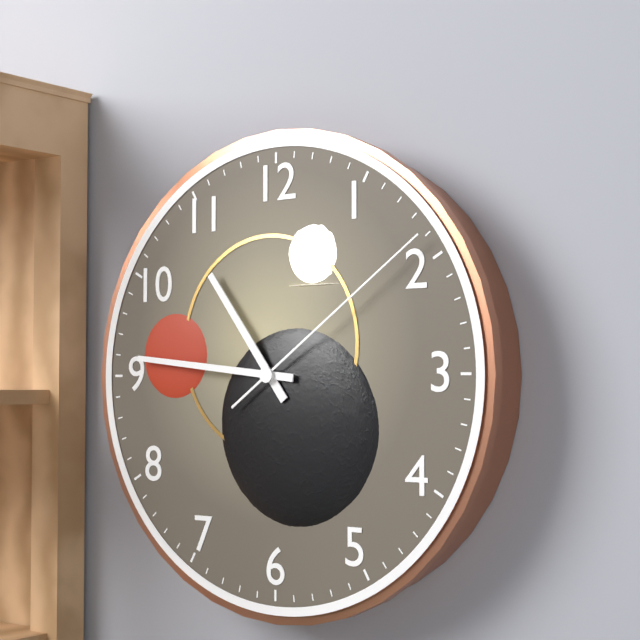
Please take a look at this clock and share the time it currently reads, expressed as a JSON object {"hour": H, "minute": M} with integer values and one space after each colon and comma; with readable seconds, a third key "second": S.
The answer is {"hour": 10, "minute": 46, "second": 9}
